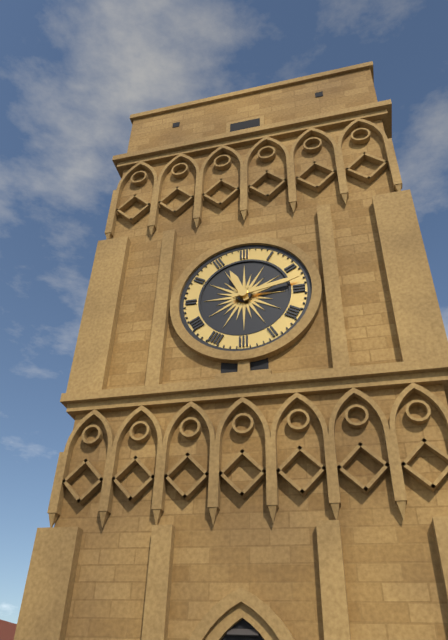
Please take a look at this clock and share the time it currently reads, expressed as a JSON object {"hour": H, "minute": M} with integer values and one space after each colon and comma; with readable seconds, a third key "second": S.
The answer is {"hour": 11, "minute": 13}
